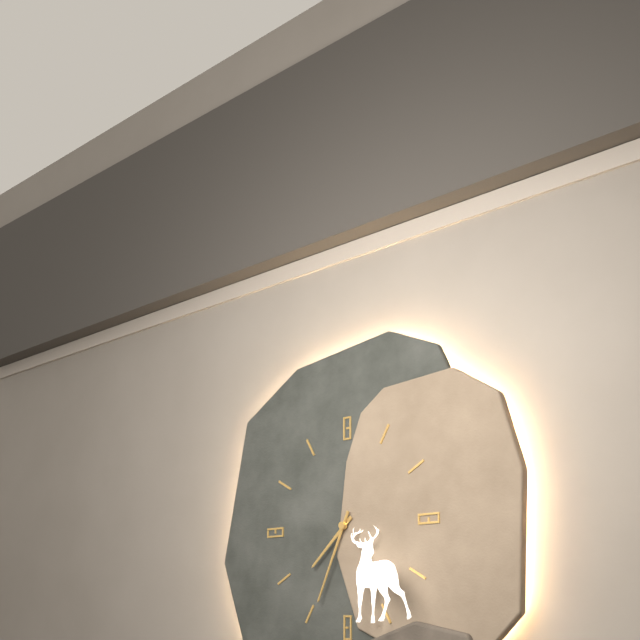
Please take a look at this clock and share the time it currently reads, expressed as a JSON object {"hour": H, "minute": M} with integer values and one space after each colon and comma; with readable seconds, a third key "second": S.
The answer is {"hour": 7, "minute": 34}
